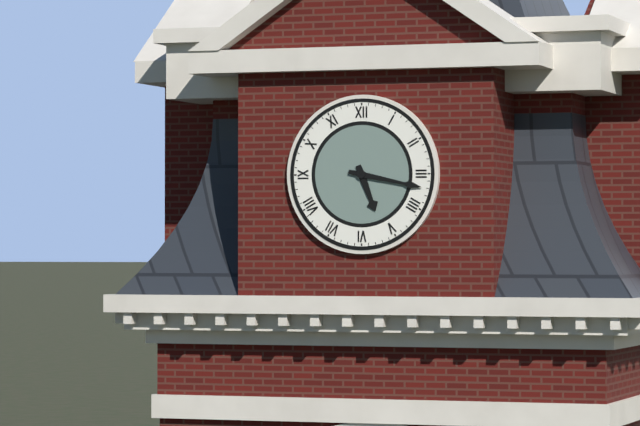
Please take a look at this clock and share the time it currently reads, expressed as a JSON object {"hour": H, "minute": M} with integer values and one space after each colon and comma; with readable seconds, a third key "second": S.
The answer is {"hour": 5, "minute": 17}
